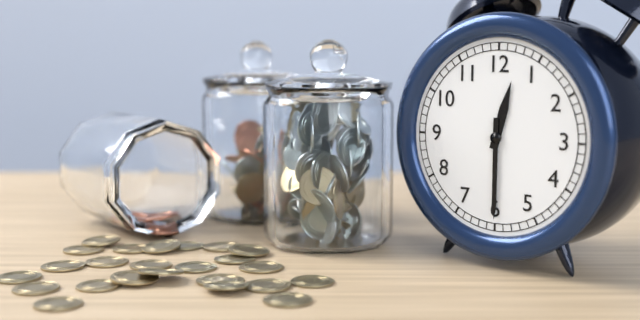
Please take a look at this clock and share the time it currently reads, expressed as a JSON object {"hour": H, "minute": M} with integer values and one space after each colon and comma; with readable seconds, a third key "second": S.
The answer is {"hour": 12, "minute": 30}
